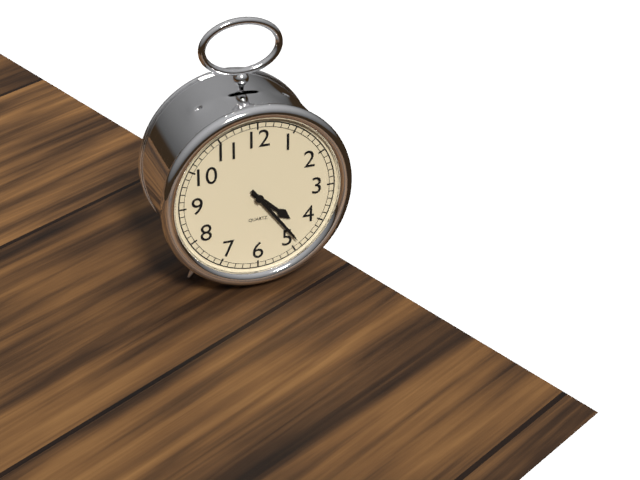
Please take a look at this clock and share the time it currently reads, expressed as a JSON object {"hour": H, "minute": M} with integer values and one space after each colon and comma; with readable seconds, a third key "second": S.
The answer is {"hour": 4, "minute": 24}
